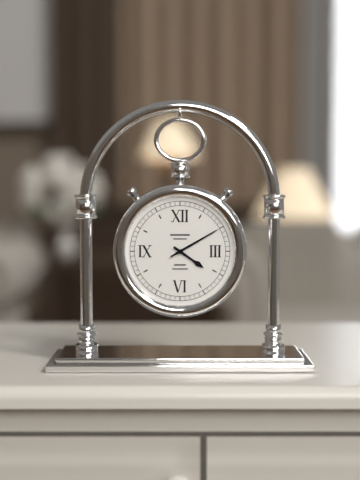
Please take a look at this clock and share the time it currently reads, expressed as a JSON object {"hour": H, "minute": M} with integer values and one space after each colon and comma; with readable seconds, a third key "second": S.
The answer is {"hour": 4, "minute": 10}
